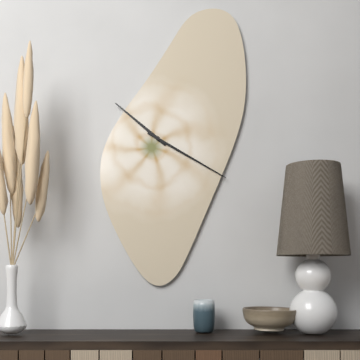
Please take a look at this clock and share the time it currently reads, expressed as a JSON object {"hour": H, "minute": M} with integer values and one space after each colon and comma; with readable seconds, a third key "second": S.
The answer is {"hour": 10, "minute": 20}
